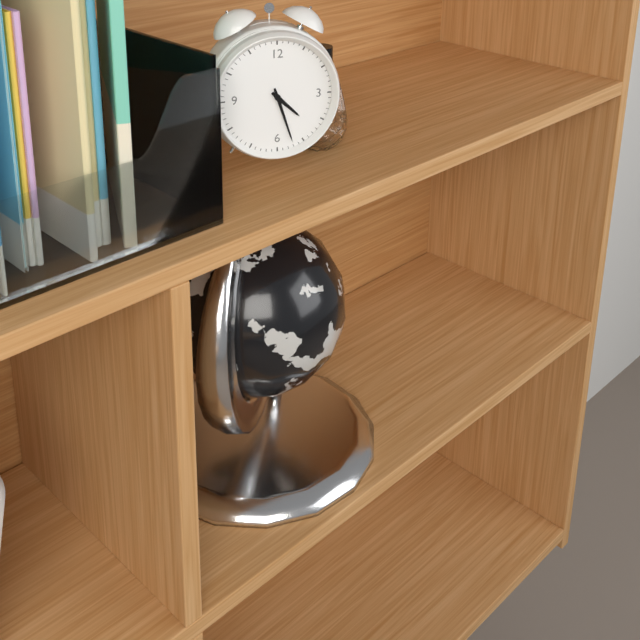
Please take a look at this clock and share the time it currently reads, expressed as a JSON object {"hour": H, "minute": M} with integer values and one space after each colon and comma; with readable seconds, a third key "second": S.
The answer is {"hour": 4, "minute": 27}
